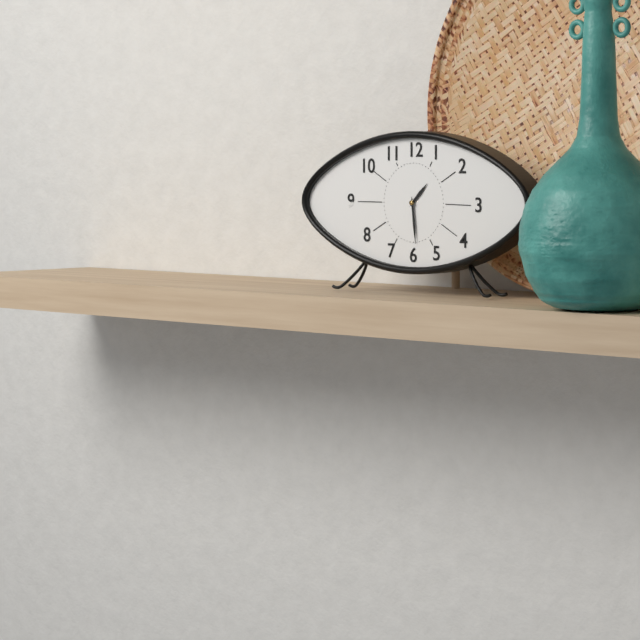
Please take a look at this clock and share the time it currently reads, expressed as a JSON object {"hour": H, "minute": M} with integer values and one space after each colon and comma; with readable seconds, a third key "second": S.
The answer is {"hour": 1, "minute": 29}
